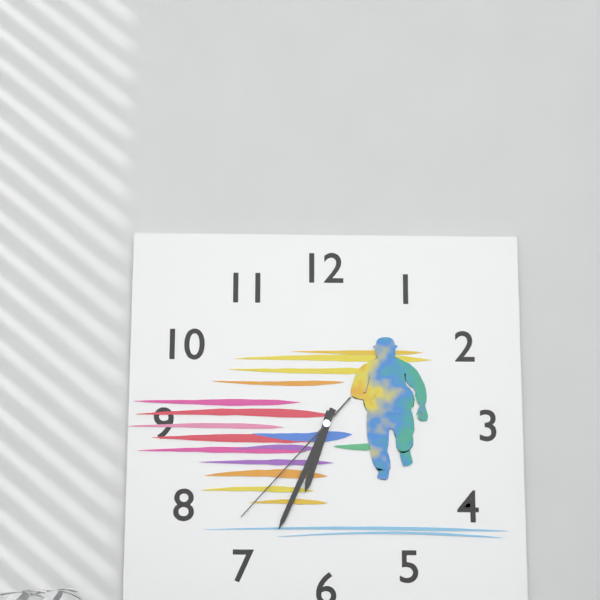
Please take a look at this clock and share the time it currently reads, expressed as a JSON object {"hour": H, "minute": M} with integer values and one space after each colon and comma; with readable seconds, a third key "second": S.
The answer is {"hour": 6, "minute": 34, "second": 37}
